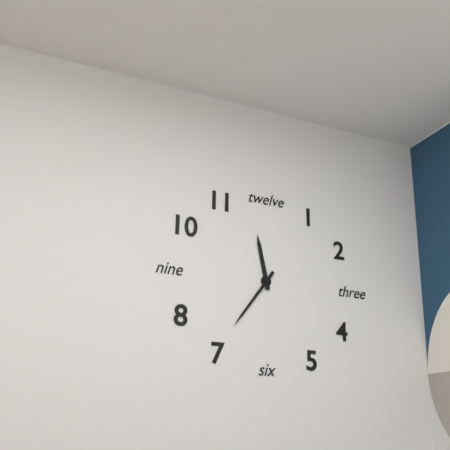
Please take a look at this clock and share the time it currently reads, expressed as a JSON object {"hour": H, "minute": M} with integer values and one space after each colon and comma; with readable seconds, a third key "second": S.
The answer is {"hour": 11, "minute": 36}
